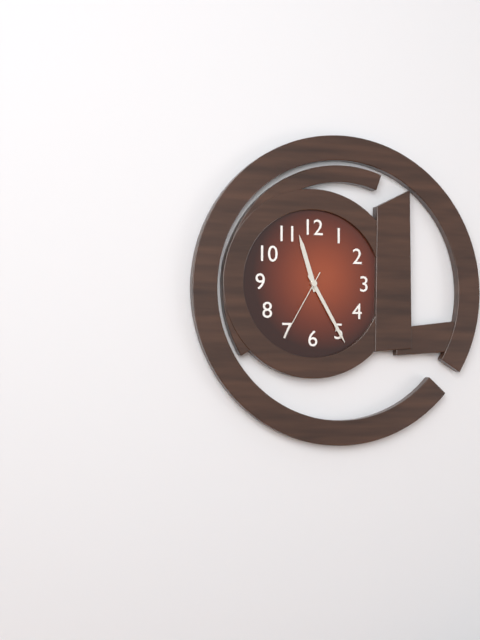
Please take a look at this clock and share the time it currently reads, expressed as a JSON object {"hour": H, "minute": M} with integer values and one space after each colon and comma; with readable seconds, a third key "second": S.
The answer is {"hour": 11, "minute": 25, "second": 35}
